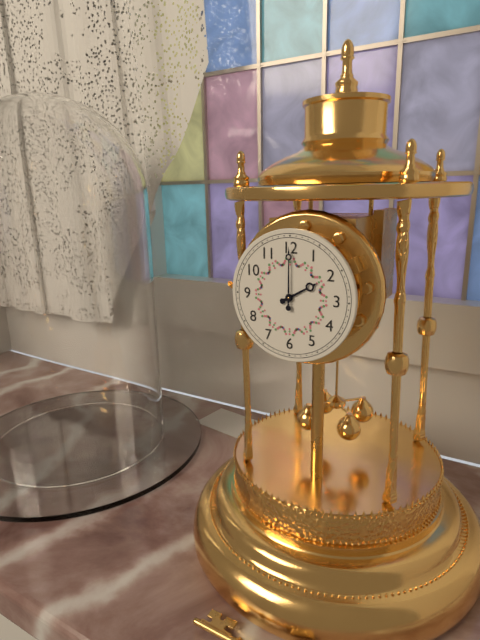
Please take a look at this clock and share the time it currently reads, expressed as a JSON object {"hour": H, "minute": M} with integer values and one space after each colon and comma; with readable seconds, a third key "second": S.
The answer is {"hour": 2, "minute": 0}
